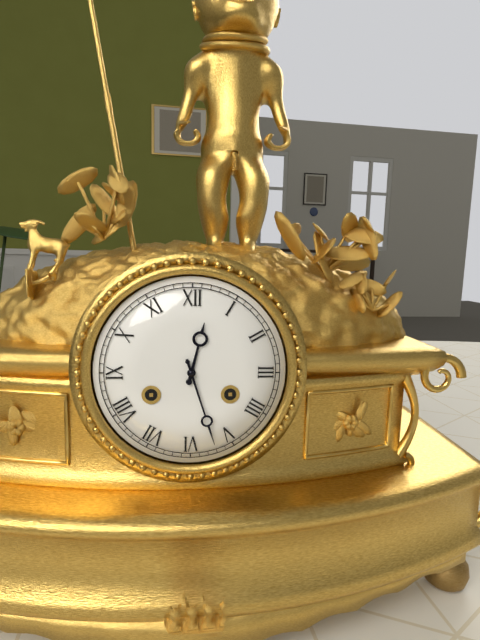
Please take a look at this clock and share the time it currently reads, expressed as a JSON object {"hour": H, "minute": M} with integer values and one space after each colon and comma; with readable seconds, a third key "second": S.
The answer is {"hour": 12, "minute": 27}
